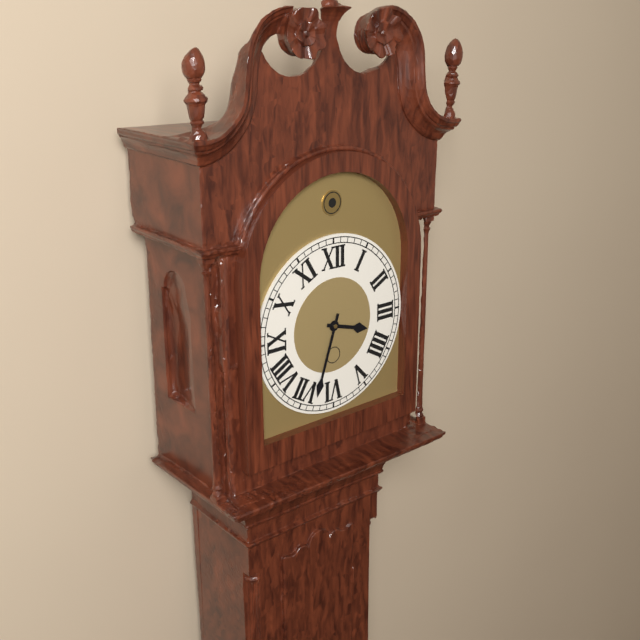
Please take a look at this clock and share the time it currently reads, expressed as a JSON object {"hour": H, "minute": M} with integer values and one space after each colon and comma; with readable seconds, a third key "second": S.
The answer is {"hour": 3, "minute": 33}
